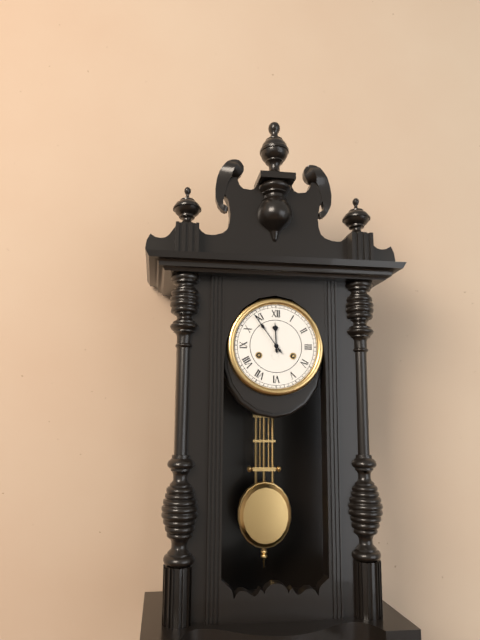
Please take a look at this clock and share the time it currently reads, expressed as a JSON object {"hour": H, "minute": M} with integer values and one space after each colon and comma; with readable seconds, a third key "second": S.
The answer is {"hour": 11, "minute": 54}
